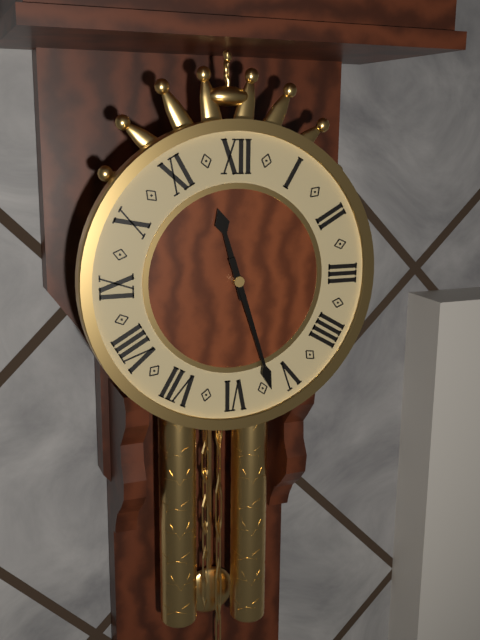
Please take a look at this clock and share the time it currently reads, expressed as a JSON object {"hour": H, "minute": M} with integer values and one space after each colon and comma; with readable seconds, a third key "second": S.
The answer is {"hour": 11, "minute": 27}
